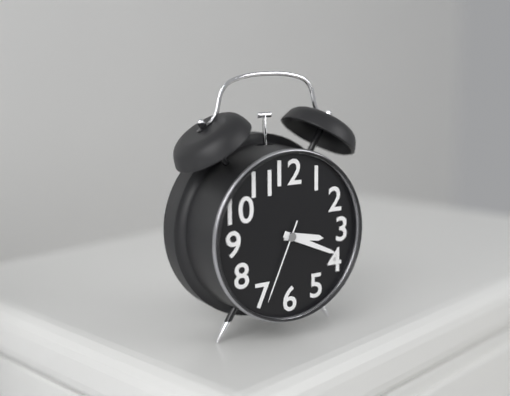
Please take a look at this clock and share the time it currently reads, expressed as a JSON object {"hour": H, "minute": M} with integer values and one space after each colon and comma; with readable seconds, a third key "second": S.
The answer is {"hour": 3, "minute": 19, "second": 34}
